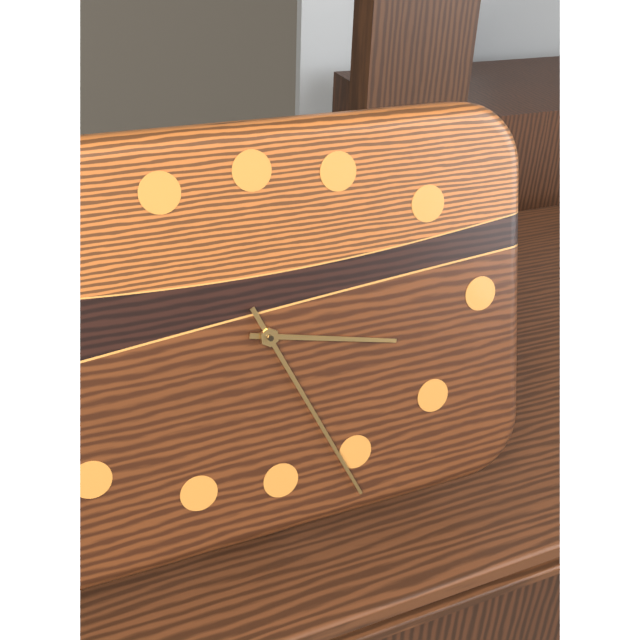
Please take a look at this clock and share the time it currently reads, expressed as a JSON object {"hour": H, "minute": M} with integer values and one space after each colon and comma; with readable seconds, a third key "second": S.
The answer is {"hour": 3, "minute": 26}
